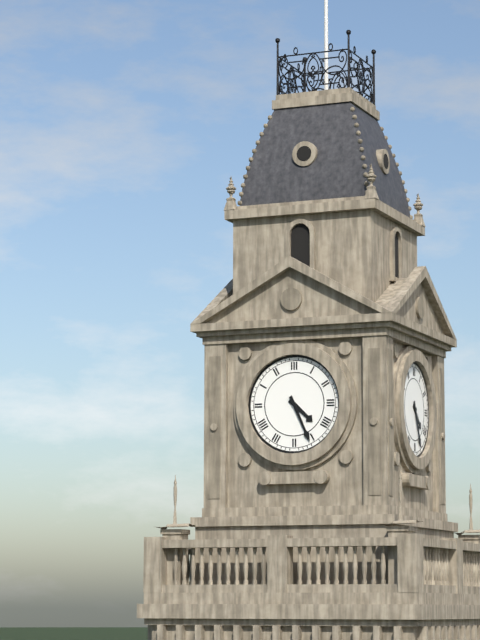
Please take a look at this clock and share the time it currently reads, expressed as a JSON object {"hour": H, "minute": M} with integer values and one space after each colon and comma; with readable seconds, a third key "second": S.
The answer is {"hour": 4, "minute": 26}
